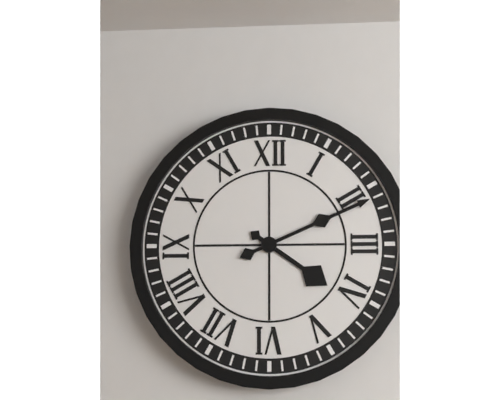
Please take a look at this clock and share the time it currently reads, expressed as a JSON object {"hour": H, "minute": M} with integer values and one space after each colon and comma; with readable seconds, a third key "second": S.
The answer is {"hour": 4, "minute": 11}
